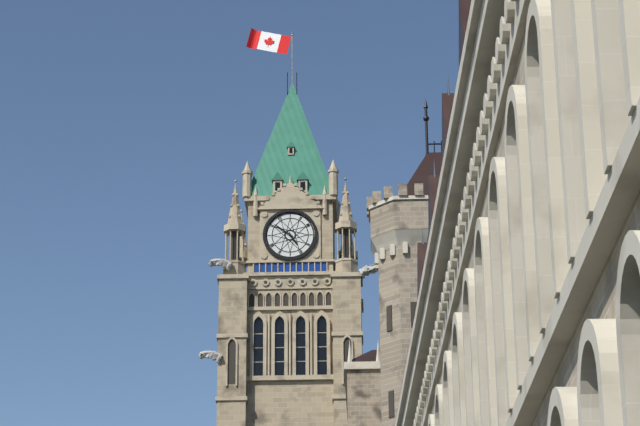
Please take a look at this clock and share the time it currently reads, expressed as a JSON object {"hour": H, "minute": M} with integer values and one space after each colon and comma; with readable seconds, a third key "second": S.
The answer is {"hour": 4, "minute": 51}
